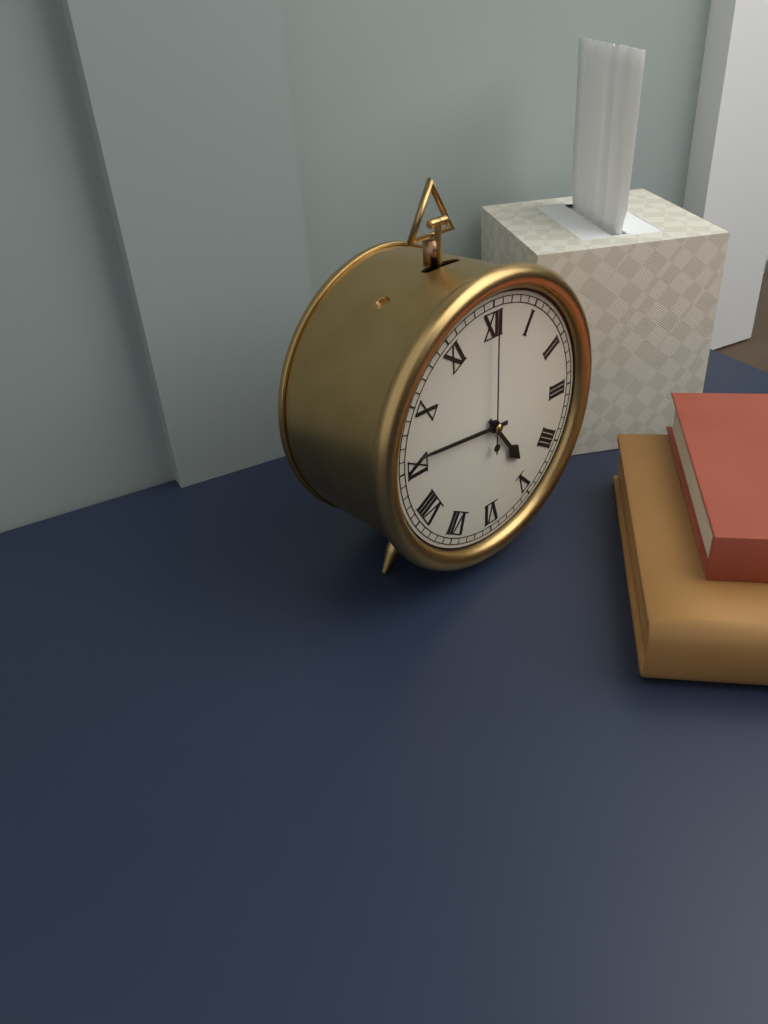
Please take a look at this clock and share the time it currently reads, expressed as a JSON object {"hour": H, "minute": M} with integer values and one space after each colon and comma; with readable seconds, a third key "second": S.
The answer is {"hour": 4, "minute": 46, "second": 0}
